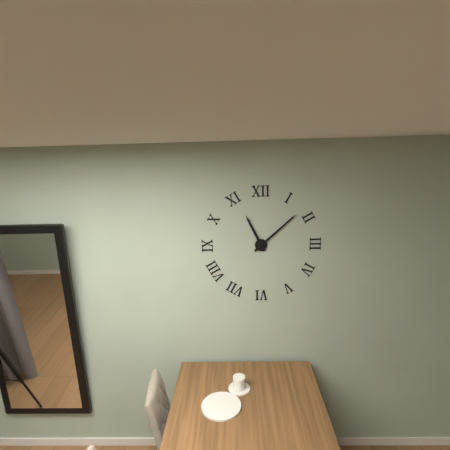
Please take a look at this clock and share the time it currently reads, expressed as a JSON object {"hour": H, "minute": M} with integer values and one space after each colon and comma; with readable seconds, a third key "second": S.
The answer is {"hour": 11, "minute": 8}
